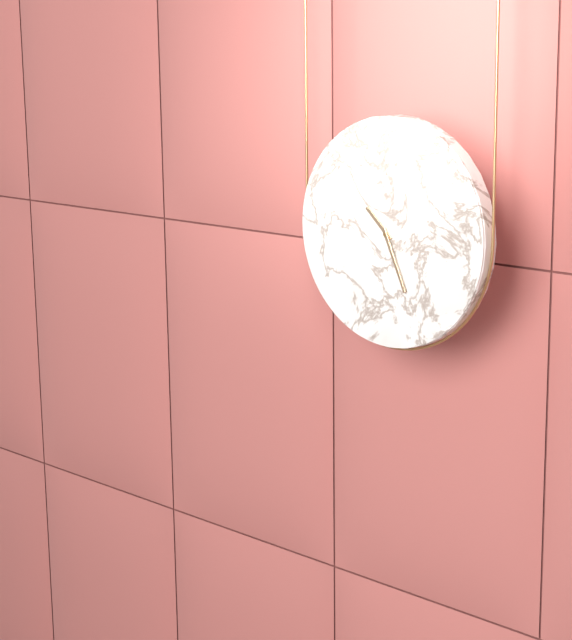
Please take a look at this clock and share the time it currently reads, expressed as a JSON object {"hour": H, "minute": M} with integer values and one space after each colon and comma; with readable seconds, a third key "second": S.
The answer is {"hour": 10, "minute": 26}
